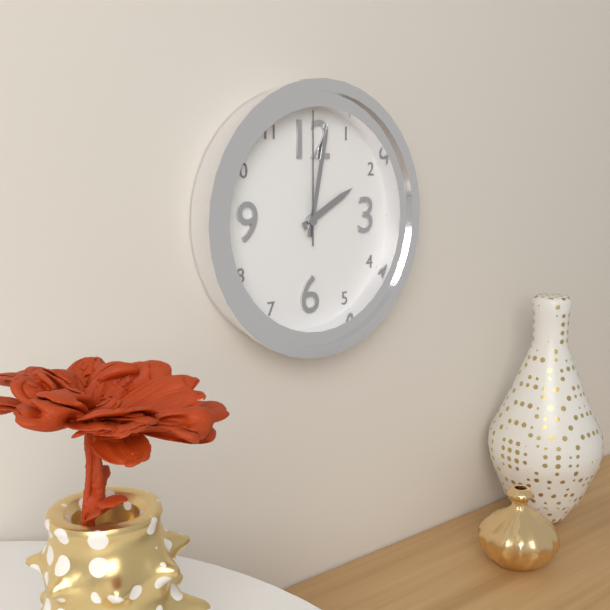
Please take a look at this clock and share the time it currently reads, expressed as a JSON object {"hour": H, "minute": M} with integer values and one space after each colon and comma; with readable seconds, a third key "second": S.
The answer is {"hour": 2, "minute": 2, "second": 0}
